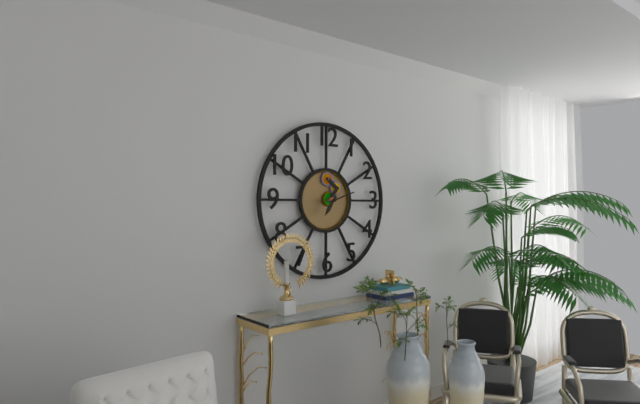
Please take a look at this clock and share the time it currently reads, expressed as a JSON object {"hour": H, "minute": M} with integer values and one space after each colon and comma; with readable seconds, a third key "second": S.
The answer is {"hour": 7, "minute": 12}
